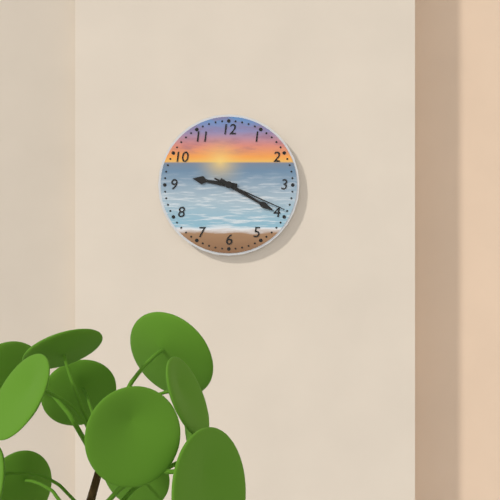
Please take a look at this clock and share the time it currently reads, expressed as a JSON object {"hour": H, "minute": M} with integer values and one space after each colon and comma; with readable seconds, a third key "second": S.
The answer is {"hour": 9, "minute": 20, "second": 19}
